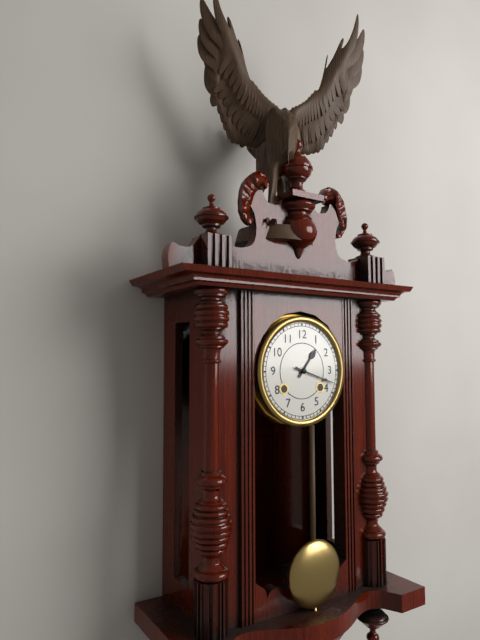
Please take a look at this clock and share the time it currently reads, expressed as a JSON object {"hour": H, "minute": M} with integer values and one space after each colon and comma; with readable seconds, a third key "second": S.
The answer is {"hour": 1, "minute": 18}
